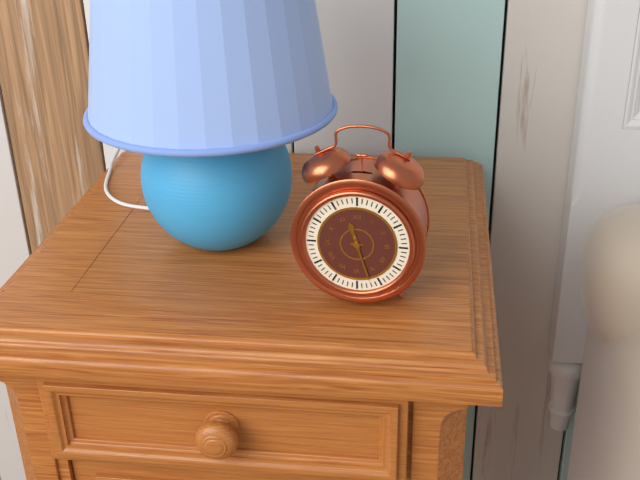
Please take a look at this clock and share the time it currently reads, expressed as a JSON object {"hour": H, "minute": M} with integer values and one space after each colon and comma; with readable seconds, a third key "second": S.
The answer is {"hour": 11, "minute": 27}
